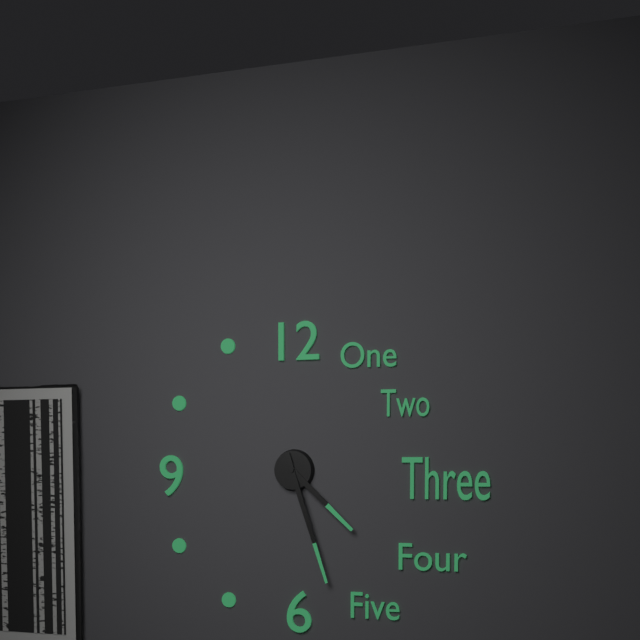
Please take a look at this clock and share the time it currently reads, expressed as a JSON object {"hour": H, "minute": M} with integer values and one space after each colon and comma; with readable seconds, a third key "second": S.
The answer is {"hour": 4, "minute": 27}
